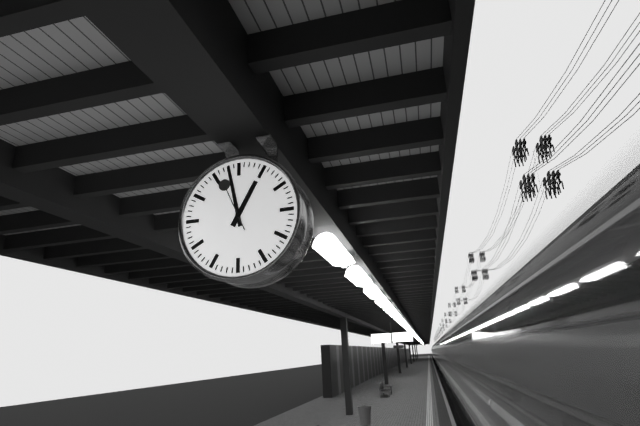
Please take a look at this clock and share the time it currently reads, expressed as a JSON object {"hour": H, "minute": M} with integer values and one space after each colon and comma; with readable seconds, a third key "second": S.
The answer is {"hour": 12, "minute": 58, "second": 56}
